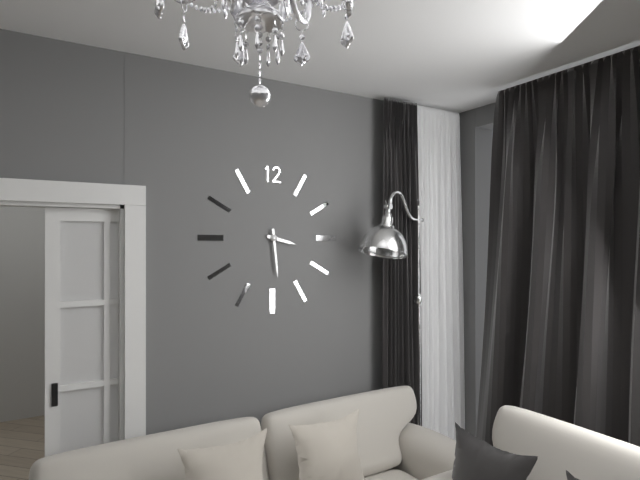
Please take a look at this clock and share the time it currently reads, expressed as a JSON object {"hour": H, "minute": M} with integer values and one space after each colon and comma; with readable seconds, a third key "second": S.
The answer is {"hour": 3, "minute": 29}
